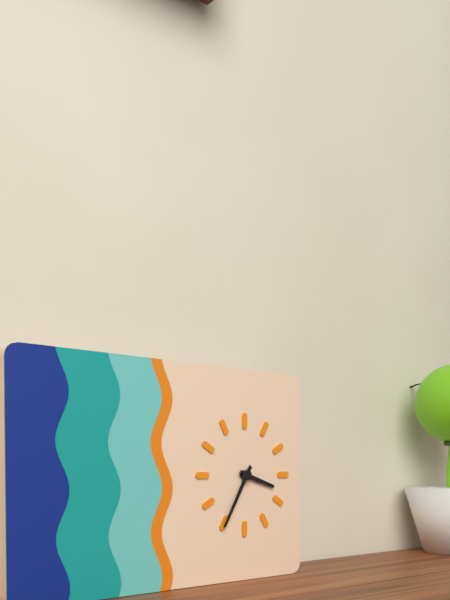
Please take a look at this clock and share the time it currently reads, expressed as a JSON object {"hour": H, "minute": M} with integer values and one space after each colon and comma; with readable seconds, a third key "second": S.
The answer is {"hour": 3, "minute": 35}
